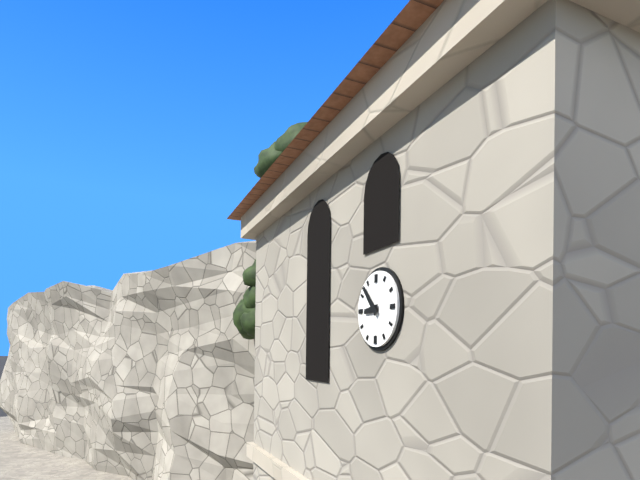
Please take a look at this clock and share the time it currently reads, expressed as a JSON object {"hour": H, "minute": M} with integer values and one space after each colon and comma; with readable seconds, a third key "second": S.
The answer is {"hour": 8, "minute": 53}
